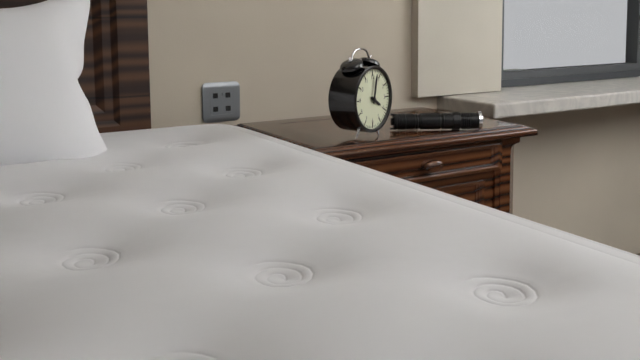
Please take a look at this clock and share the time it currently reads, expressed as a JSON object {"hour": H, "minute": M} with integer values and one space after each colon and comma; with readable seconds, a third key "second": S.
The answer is {"hour": 4, "minute": 2}
